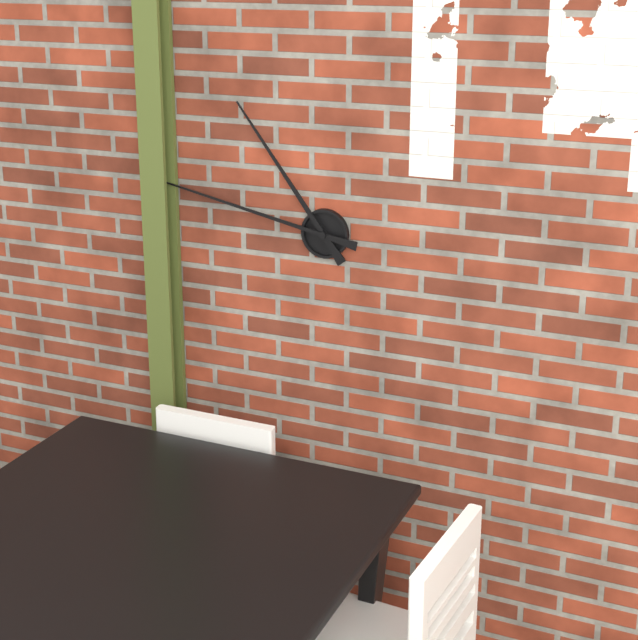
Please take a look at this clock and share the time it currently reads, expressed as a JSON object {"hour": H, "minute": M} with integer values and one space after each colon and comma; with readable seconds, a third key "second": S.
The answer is {"hour": 10, "minute": 47}
